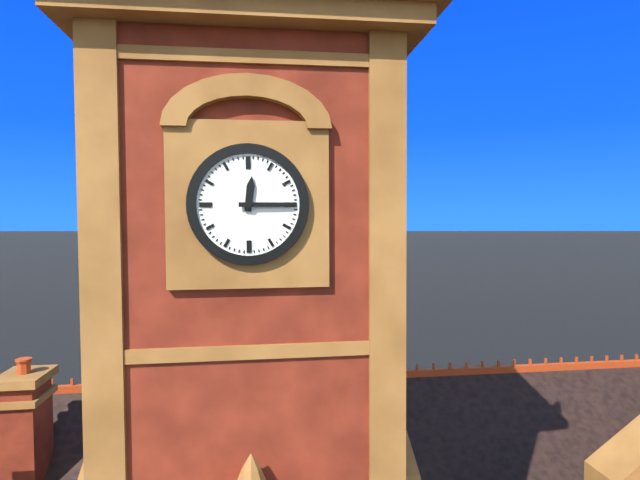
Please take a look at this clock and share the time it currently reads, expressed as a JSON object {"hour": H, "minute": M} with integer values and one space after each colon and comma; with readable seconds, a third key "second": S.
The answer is {"hour": 12, "minute": 15}
